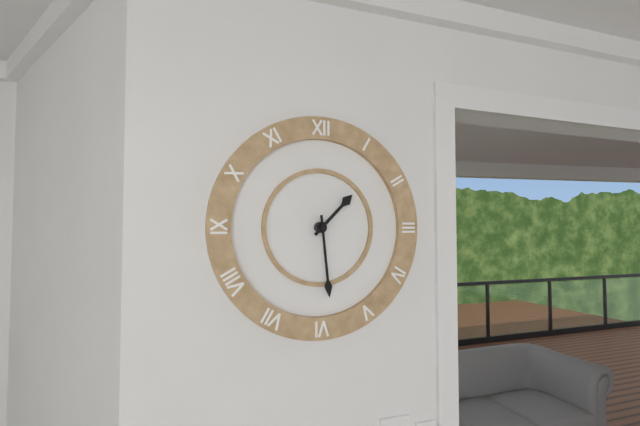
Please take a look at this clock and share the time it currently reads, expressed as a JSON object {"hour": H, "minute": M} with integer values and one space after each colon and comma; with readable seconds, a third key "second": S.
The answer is {"hour": 1, "minute": 29}
